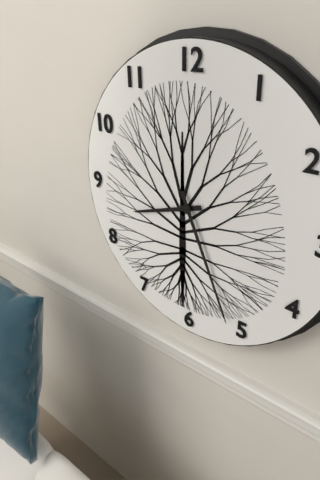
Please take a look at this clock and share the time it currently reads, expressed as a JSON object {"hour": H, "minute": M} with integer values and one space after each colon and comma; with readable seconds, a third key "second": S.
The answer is {"hour": 8, "minute": 26}
